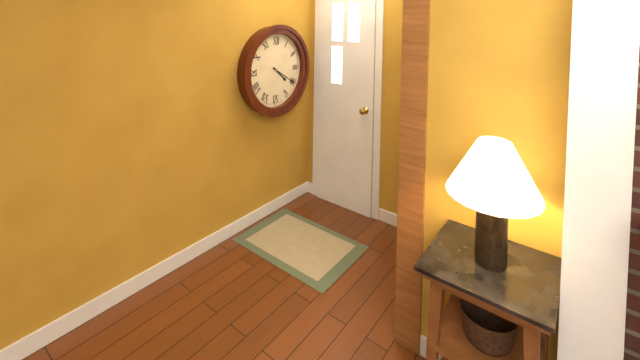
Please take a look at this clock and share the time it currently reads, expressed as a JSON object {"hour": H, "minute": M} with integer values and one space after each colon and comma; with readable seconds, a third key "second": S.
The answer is {"hour": 4, "minute": 20}
